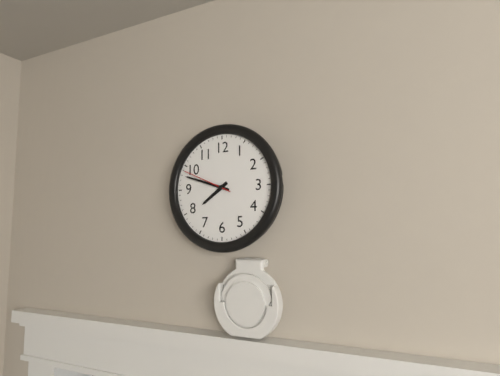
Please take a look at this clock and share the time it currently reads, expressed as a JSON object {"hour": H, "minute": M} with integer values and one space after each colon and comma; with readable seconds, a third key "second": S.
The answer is {"hour": 7, "minute": 48}
